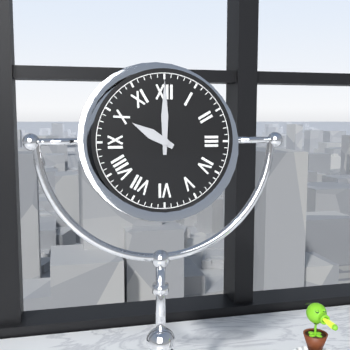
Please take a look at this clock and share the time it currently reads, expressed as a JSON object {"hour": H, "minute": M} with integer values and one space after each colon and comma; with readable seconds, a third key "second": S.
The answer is {"hour": 10, "minute": 0}
